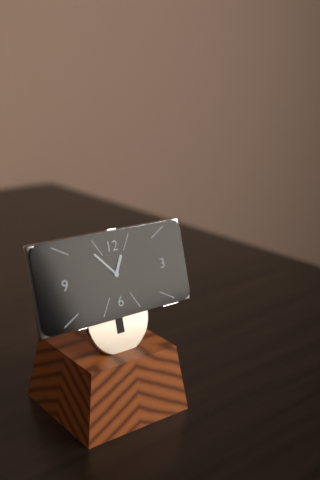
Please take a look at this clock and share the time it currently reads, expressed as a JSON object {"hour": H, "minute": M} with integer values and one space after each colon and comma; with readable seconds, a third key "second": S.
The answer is {"hour": 12, "minute": 53}
